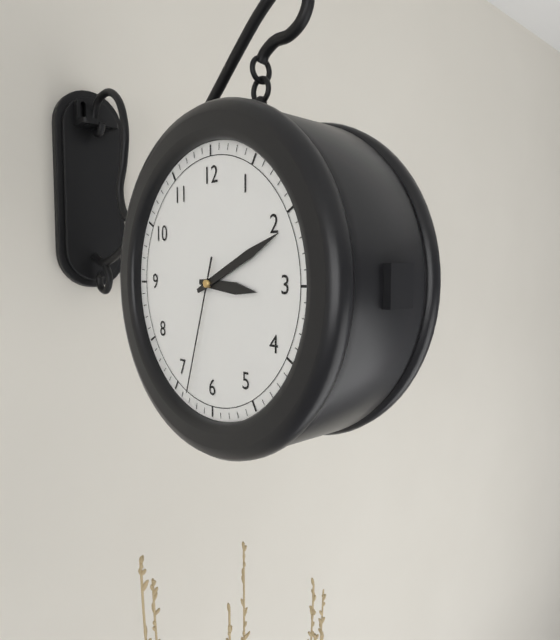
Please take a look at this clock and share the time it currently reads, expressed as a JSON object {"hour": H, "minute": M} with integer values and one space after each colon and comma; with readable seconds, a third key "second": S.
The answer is {"hour": 3, "minute": 11, "second": 33}
